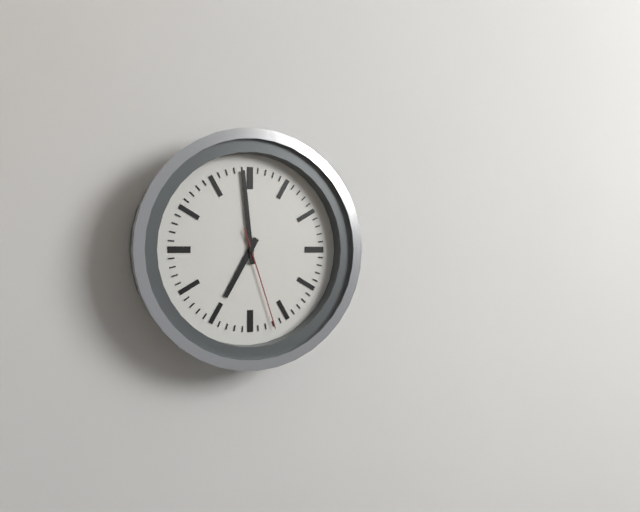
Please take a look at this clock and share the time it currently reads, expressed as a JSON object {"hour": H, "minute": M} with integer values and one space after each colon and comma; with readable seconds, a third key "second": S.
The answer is {"hour": 6, "minute": 59, "second": 27}
